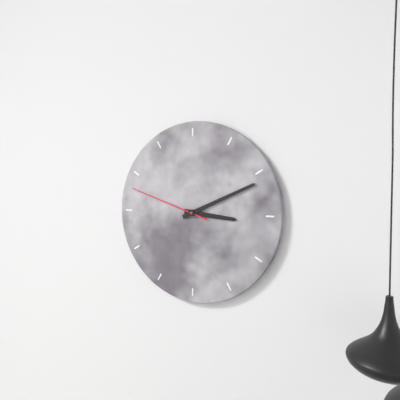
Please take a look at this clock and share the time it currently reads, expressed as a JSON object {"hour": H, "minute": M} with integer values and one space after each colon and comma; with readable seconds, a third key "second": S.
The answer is {"hour": 3, "minute": 11, "second": 48}
